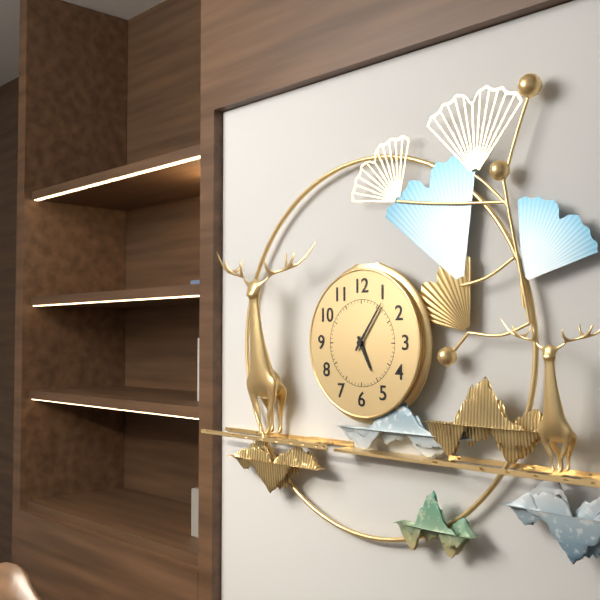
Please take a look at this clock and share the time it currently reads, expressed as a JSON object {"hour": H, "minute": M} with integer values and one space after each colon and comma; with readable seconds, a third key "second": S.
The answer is {"hour": 5, "minute": 6}
